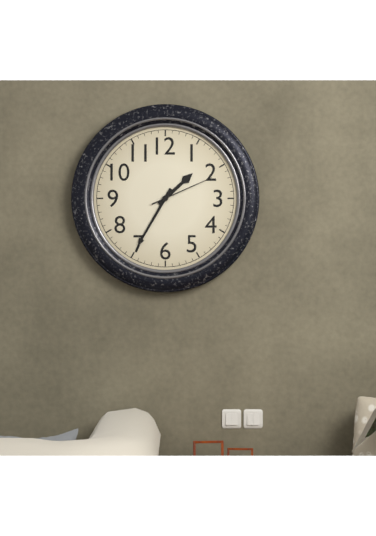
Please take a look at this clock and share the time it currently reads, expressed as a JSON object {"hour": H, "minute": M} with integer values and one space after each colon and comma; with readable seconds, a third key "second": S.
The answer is {"hour": 1, "minute": 35, "second": 11}
